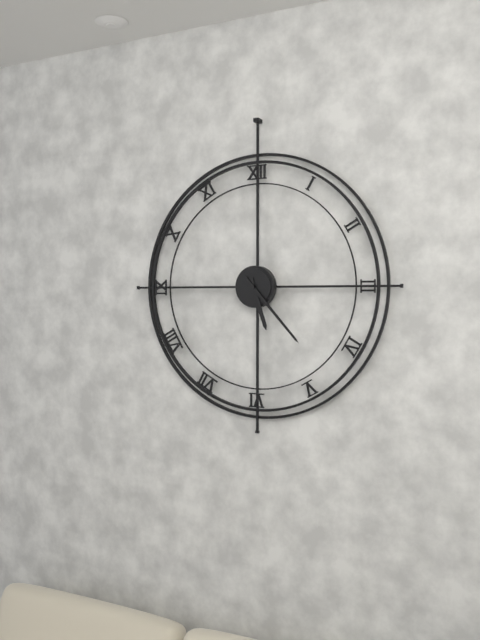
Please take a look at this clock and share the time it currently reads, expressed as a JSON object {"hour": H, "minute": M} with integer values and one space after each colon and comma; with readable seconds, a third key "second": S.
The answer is {"hour": 5, "minute": 23}
